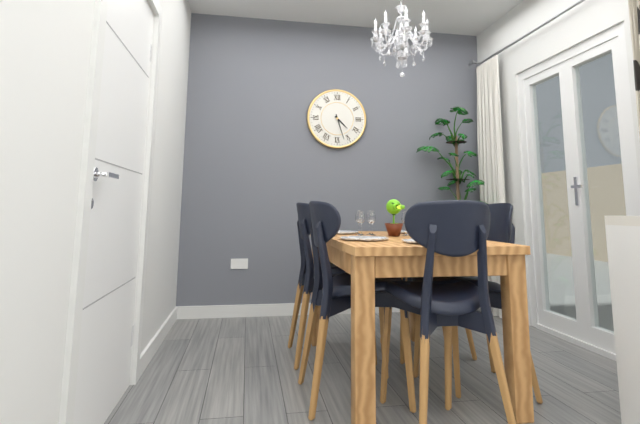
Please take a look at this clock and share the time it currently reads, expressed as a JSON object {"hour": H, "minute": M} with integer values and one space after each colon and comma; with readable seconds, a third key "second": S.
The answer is {"hour": 4, "minute": 27}
